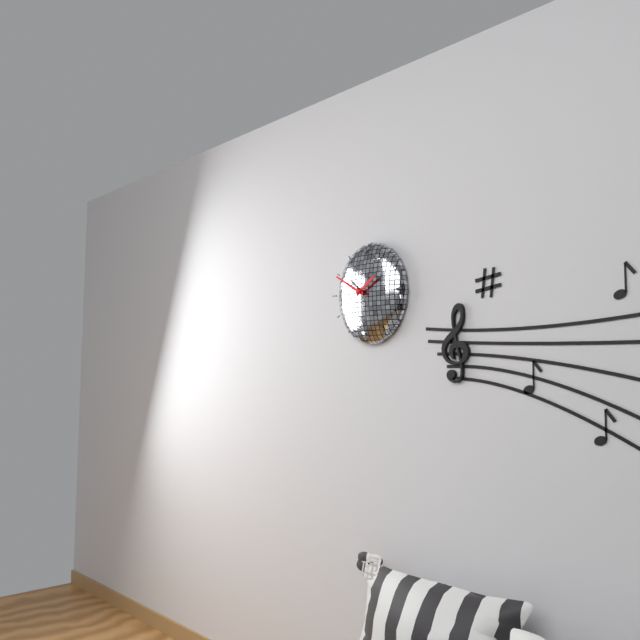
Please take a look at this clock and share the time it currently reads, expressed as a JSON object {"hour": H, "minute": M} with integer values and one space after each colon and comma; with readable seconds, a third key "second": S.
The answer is {"hour": 1, "minute": 50}
